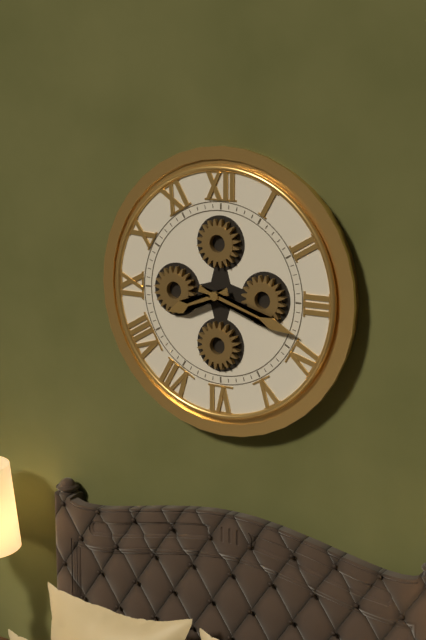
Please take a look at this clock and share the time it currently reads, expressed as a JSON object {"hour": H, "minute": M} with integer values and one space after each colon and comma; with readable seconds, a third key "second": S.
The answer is {"hour": 8, "minute": 18}
